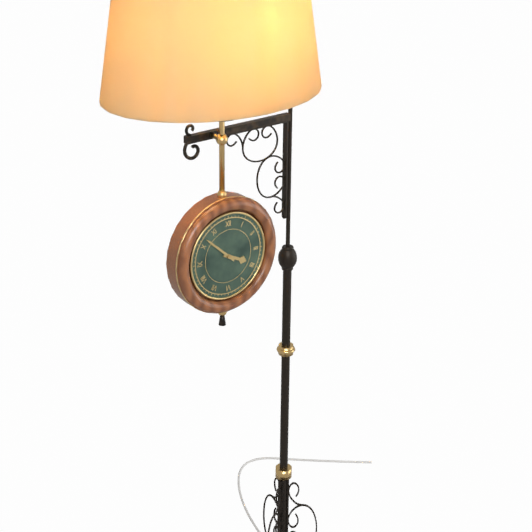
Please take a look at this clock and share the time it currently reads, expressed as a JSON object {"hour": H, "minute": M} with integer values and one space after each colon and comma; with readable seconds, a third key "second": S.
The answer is {"hour": 3, "minute": 52}
